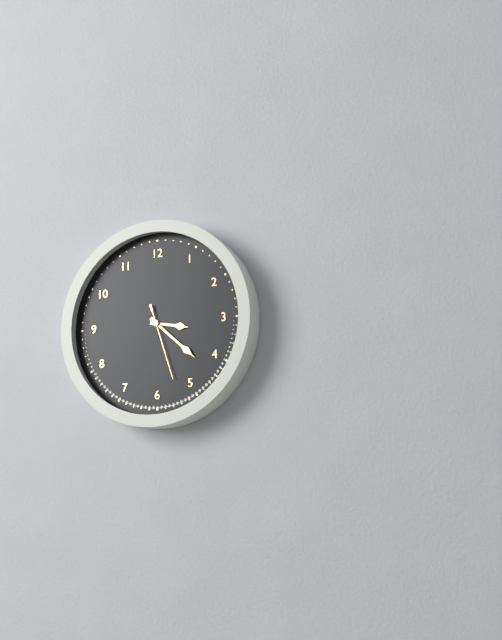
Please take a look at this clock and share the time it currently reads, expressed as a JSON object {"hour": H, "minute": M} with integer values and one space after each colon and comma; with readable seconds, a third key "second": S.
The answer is {"hour": 3, "minute": 22, "second": 27}
